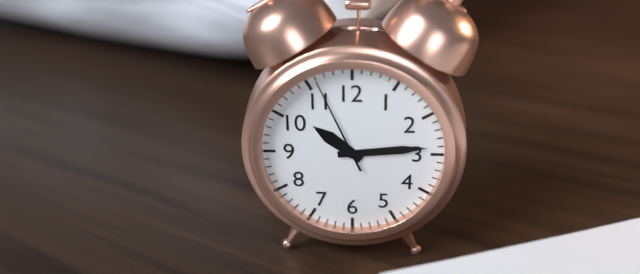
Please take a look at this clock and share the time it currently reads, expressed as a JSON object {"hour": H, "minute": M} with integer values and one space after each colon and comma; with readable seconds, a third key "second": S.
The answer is {"hour": 10, "minute": 14, "second": 56}
